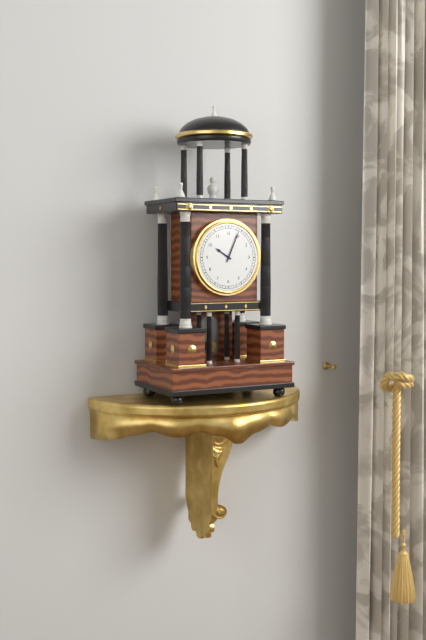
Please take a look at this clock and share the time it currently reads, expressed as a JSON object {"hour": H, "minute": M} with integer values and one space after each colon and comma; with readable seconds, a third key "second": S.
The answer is {"hour": 10, "minute": 4}
